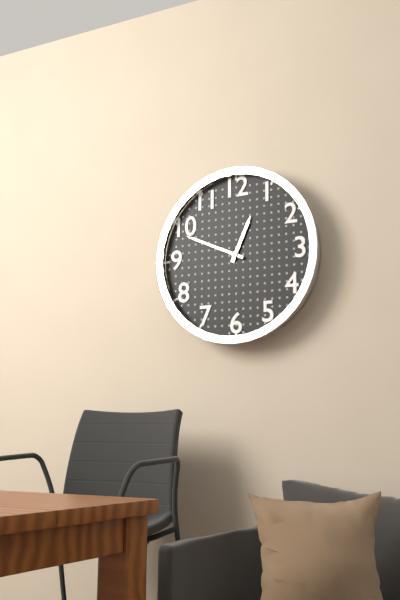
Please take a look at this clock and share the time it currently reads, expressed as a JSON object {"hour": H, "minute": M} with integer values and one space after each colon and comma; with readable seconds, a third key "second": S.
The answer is {"hour": 12, "minute": 49}
